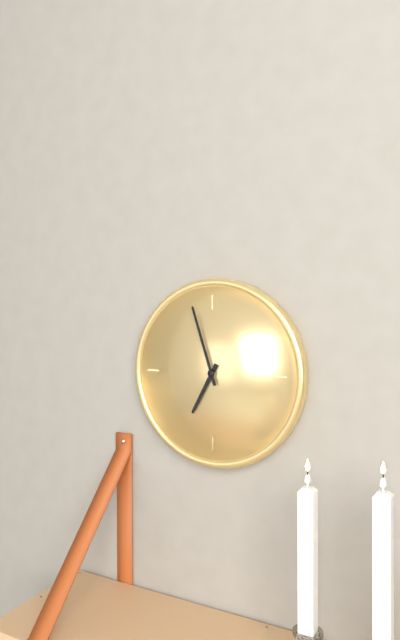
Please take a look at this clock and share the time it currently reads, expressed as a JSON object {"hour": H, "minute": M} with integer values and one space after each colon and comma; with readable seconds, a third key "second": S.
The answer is {"hour": 6, "minute": 57}
